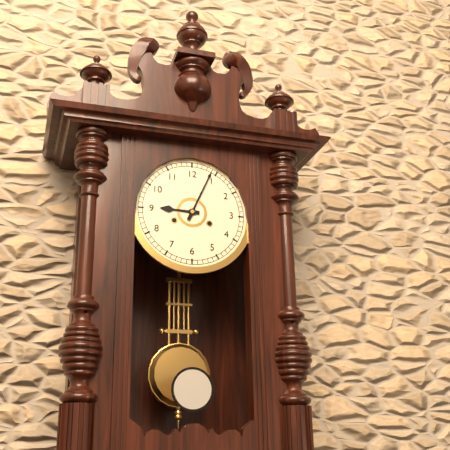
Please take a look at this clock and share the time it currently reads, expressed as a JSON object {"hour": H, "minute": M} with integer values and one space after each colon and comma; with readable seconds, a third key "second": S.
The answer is {"hour": 9, "minute": 4}
